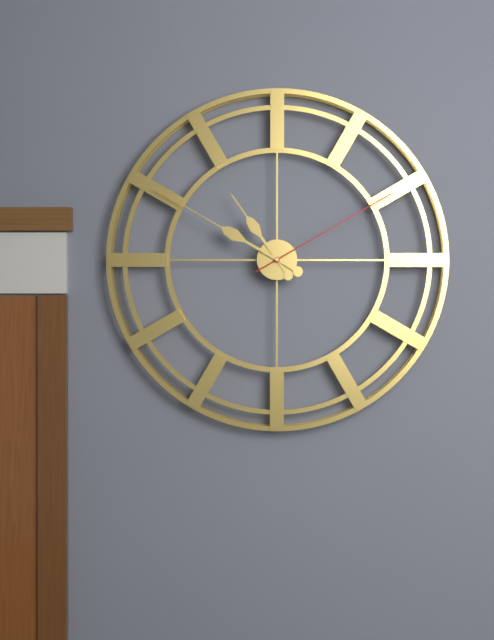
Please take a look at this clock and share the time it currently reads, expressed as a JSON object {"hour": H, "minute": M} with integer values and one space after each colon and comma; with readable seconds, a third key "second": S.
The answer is {"hour": 10, "minute": 50, "second": 10}
